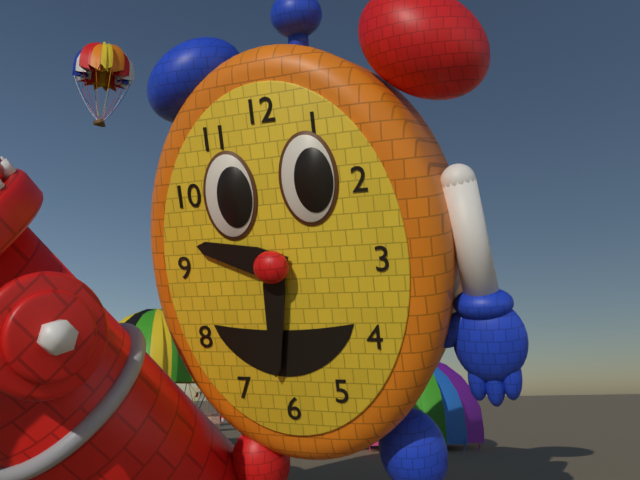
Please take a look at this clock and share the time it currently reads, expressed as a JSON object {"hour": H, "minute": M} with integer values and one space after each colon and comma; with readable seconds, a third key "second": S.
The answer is {"hour": 9, "minute": 31}
